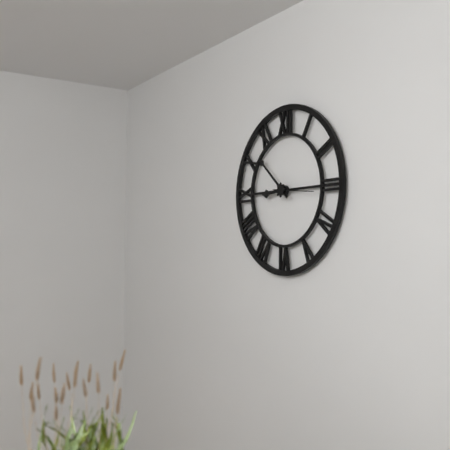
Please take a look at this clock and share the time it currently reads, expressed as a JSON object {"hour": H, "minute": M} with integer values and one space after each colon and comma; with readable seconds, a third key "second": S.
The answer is {"hour": 8, "minute": 52}
